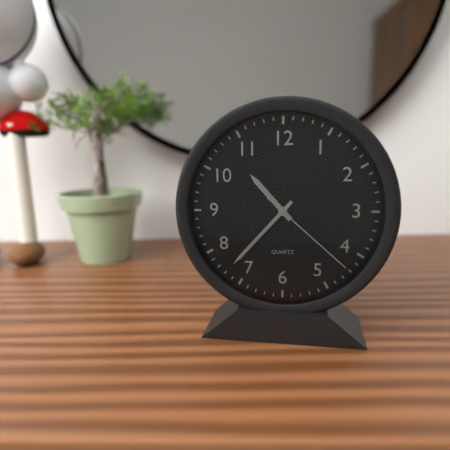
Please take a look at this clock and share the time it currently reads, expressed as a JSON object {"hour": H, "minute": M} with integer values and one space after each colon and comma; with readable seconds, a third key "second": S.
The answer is {"hour": 10, "minute": 37, "second": 22}
